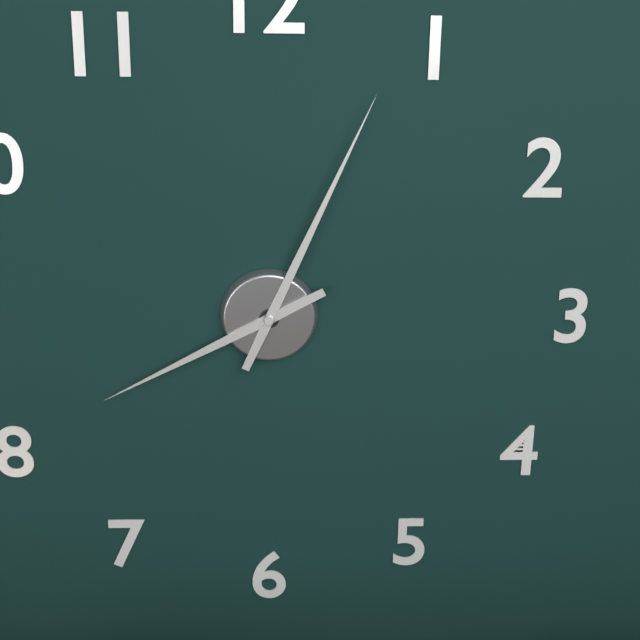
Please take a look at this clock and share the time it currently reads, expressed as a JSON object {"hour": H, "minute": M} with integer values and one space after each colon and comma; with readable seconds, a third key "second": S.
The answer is {"hour": 8, "minute": 4}
